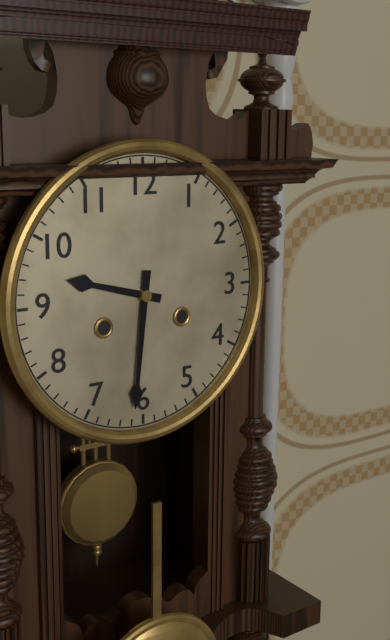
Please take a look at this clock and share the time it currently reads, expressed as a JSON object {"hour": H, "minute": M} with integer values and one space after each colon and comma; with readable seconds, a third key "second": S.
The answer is {"hour": 9, "minute": 31}
